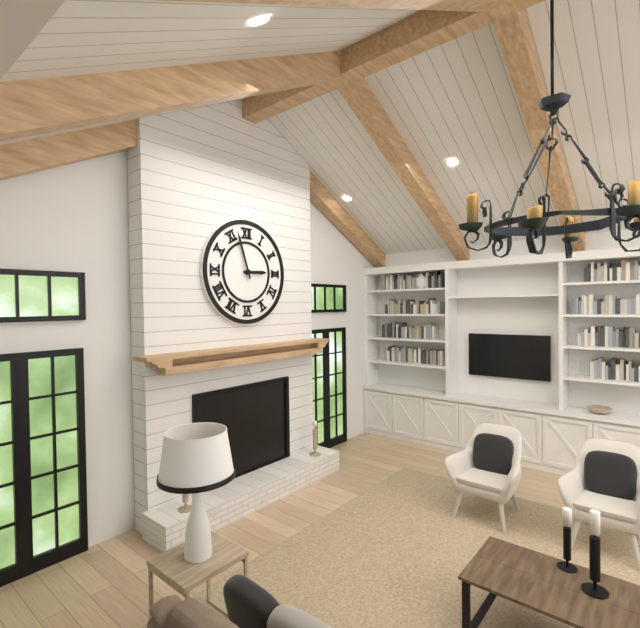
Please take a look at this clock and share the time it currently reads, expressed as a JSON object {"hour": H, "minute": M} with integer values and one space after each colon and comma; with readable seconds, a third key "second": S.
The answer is {"hour": 2, "minute": 57}
